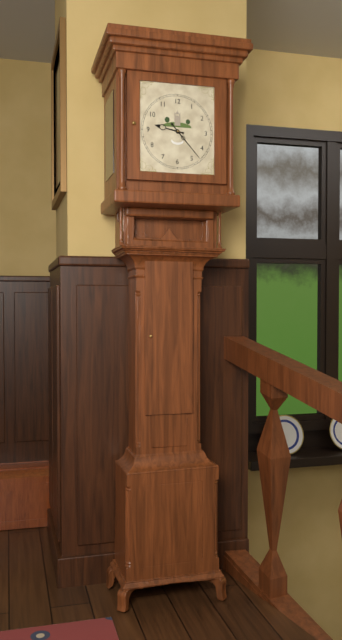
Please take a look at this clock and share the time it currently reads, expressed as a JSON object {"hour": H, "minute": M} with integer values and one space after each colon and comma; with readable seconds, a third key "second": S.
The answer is {"hour": 9, "minute": 23}
